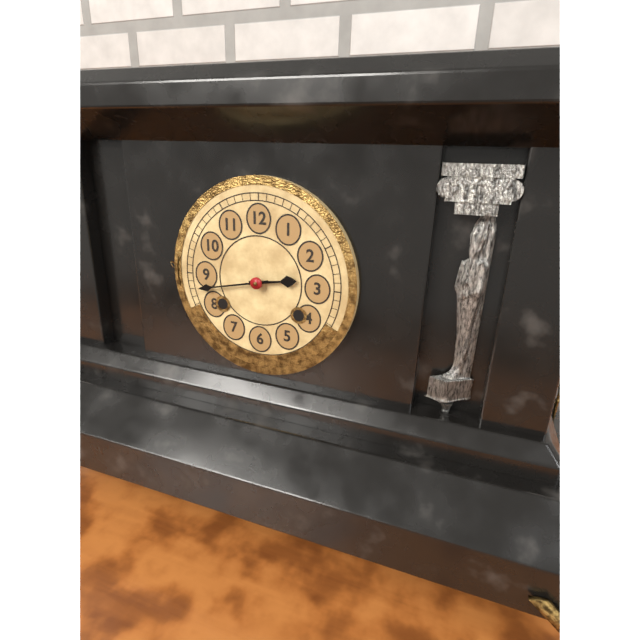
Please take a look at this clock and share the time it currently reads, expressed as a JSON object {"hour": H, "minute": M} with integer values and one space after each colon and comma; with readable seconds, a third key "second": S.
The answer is {"hour": 2, "minute": 43}
